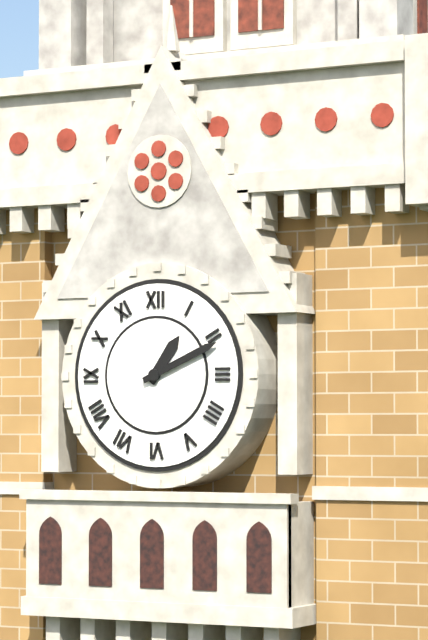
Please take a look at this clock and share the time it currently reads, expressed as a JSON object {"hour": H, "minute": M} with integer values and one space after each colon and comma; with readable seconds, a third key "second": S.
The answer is {"hour": 1, "minute": 11}
